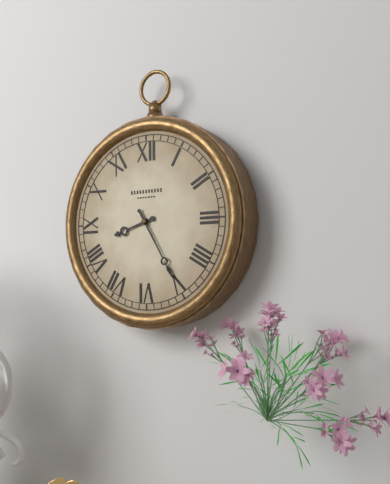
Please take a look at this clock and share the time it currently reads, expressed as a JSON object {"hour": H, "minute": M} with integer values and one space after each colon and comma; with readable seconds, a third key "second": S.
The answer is {"hour": 8, "minute": 25}
